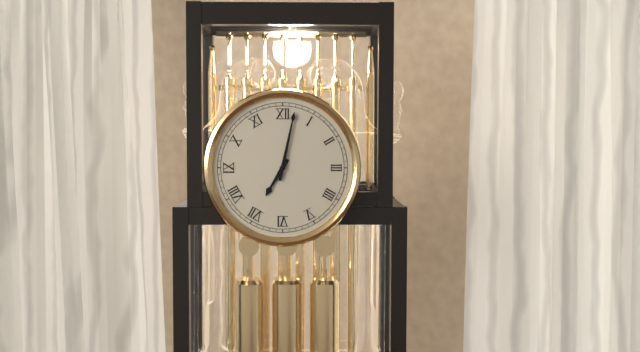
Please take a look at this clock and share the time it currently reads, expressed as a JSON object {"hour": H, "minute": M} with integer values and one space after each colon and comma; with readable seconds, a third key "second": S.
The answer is {"hour": 7, "minute": 2}
